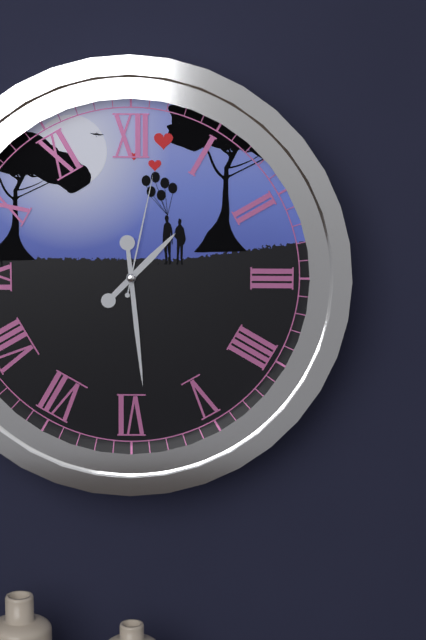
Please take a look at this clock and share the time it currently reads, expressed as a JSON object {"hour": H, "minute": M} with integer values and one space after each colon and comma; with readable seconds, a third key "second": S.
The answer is {"hour": 1, "minute": 29, "second": 2}
